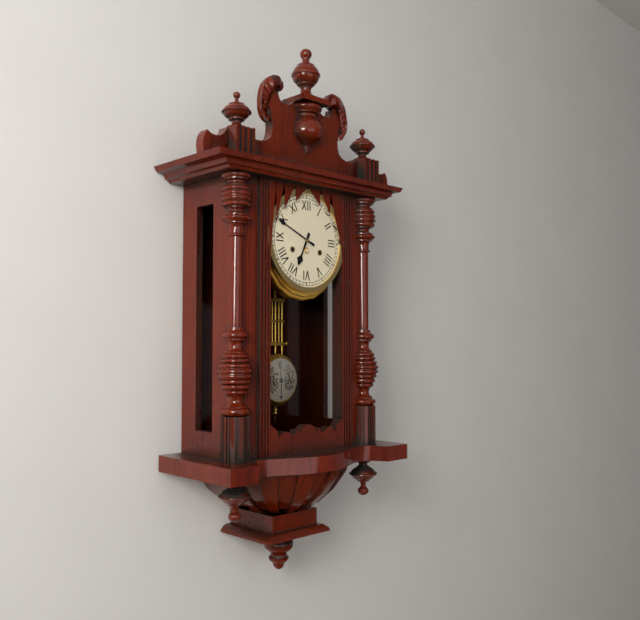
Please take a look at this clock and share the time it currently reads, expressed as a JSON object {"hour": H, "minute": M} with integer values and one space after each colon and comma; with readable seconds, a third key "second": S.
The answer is {"hour": 6, "minute": 49}
